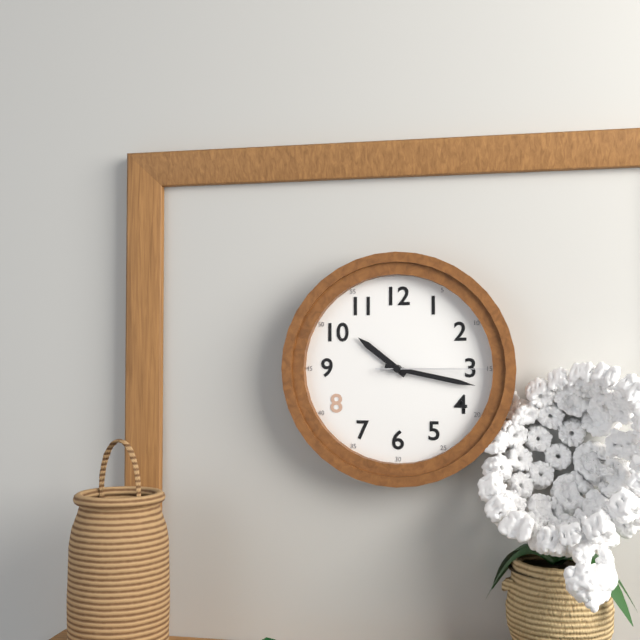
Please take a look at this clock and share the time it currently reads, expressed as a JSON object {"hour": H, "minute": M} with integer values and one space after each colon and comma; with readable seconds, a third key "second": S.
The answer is {"hour": 10, "minute": 17, "second": 15}
